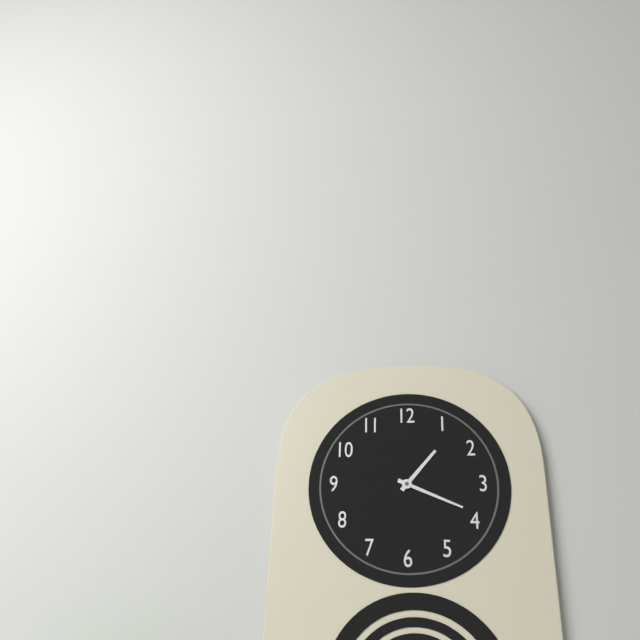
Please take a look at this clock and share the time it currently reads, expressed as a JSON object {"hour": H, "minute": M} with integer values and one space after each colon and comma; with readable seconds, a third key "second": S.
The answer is {"hour": 1, "minute": 19}
